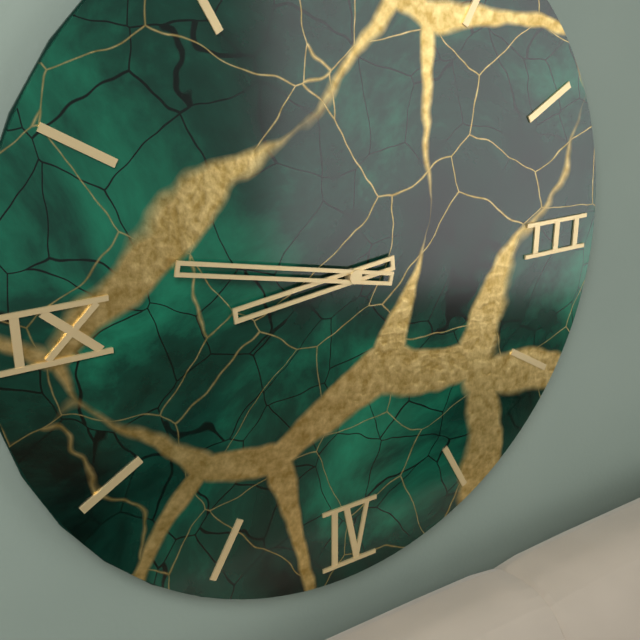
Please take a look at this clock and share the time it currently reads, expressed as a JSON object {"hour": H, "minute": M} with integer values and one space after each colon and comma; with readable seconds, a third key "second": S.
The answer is {"hour": 8, "minute": 47}
